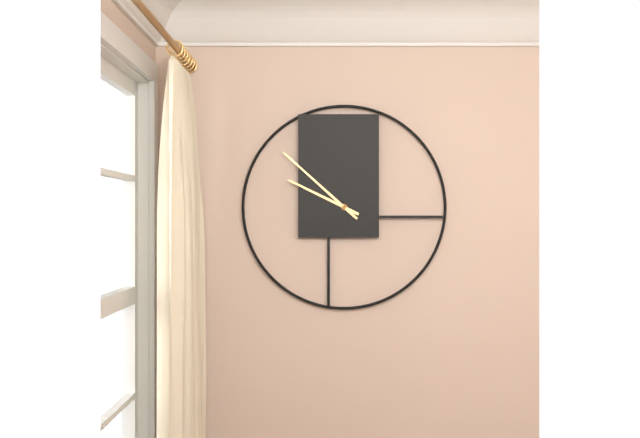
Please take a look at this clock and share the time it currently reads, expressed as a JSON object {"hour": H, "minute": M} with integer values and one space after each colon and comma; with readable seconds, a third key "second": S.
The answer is {"hour": 9, "minute": 52}
